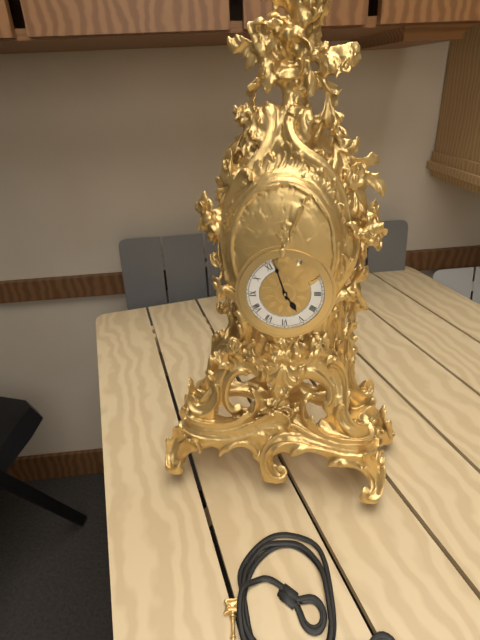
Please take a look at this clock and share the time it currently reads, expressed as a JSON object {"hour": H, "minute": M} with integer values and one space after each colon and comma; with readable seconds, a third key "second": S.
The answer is {"hour": 4, "minute": 57}
